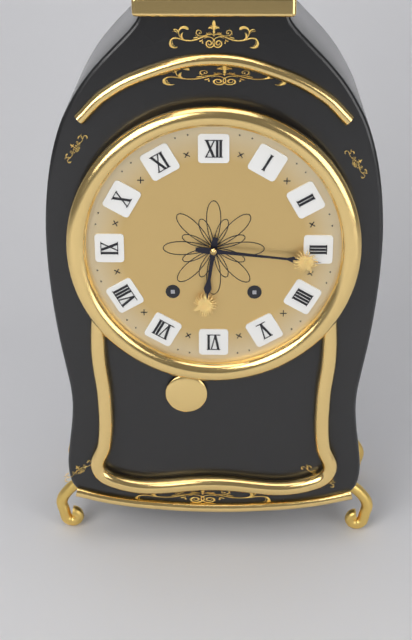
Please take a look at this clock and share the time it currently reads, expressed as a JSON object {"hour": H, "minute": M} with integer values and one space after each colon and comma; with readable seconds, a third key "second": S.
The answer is {"hour": 6, "minute": 16}
